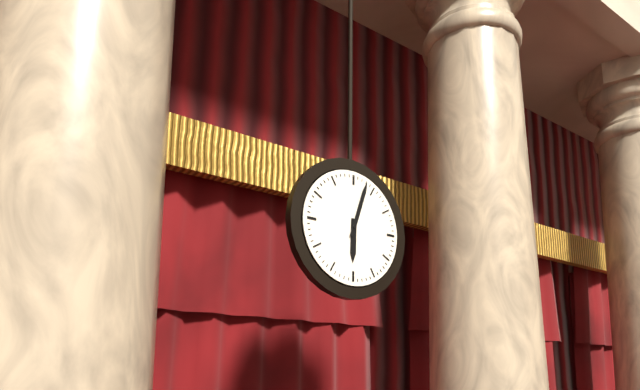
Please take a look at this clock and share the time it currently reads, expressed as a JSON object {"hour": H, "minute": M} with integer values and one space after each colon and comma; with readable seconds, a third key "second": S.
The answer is {"hour": 6, "minute": 3}
